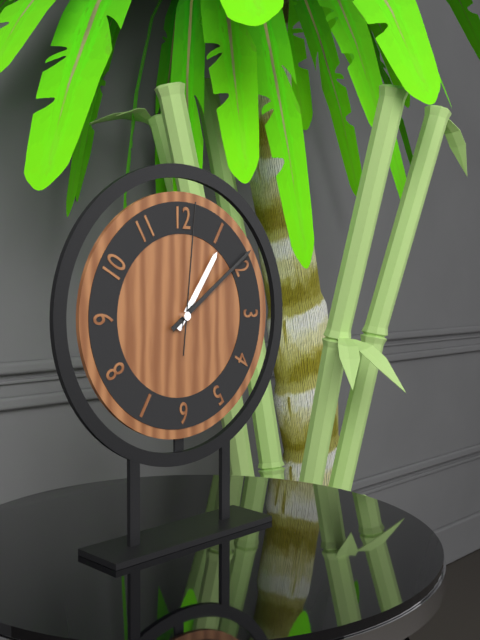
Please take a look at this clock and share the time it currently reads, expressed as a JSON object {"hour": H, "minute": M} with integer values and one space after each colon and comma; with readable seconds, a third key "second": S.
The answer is {"hour": 1, "minute": 9, "second": 1}
